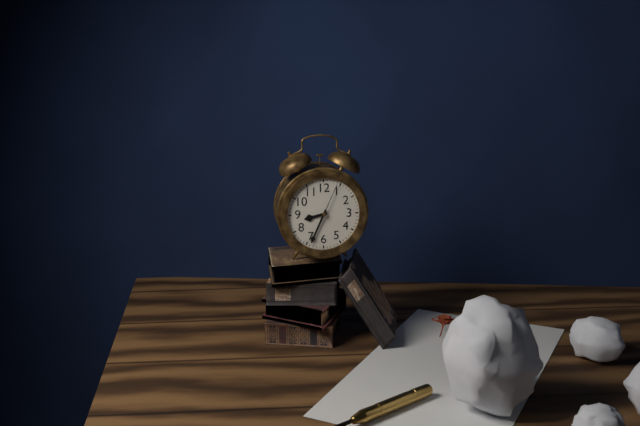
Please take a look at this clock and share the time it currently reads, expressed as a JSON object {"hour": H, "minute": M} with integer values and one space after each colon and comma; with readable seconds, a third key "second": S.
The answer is {"hour": 8, "minute": 34}
